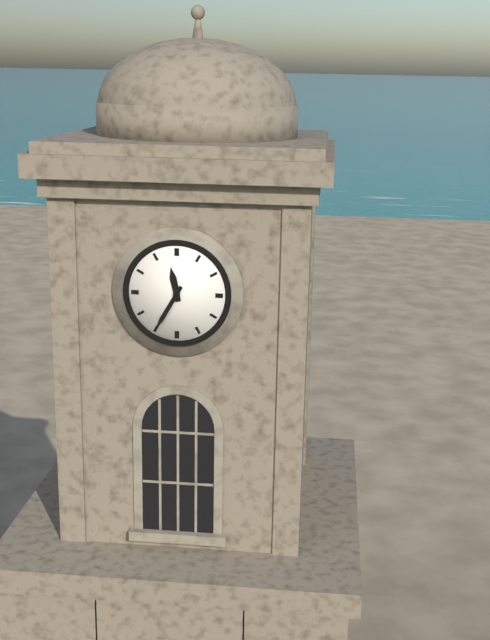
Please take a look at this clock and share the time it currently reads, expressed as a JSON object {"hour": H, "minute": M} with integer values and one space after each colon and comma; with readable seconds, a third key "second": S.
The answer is {"hour": 11, "minute": 35}
